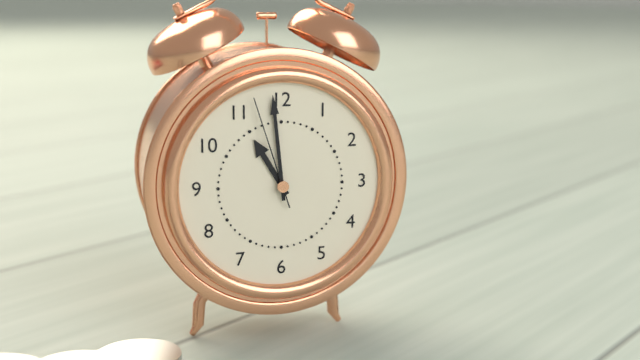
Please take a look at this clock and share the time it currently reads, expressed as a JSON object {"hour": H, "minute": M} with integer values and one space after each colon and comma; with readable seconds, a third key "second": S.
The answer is {"hour": 10, "minute": 59, "second": 57}
